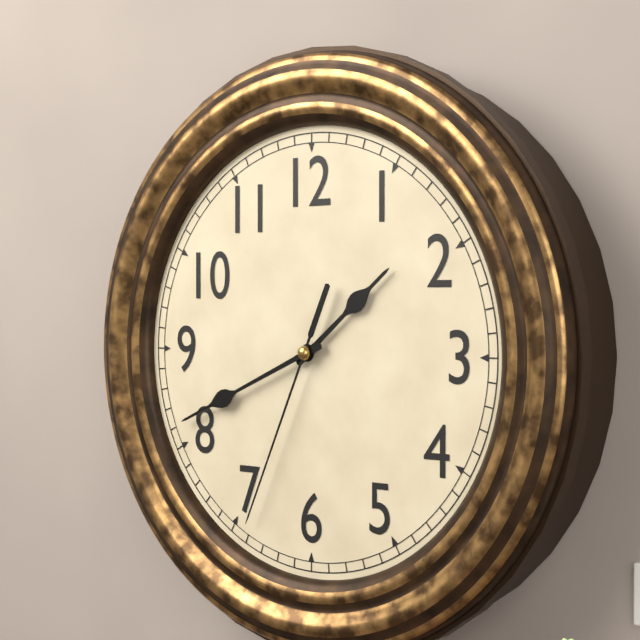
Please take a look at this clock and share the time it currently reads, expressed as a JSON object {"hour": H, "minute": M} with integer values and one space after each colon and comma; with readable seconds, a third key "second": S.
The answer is {"hour": 1, "minute": 41, "second": 34}
